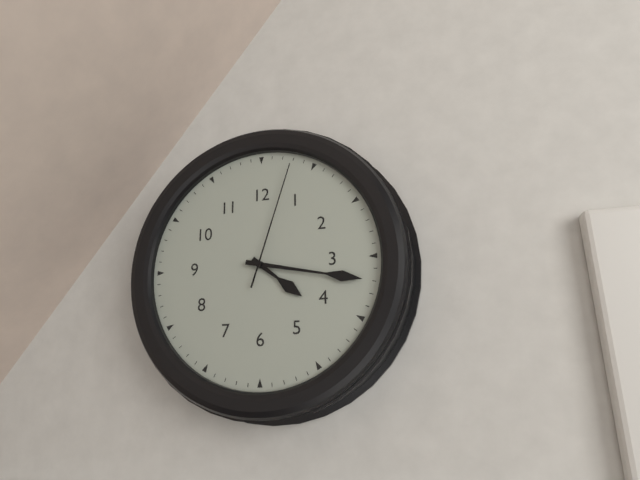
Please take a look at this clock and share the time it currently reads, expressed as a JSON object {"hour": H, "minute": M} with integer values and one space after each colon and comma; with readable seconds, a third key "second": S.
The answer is {"hour": 4, "minute": 17, "second": 3}
